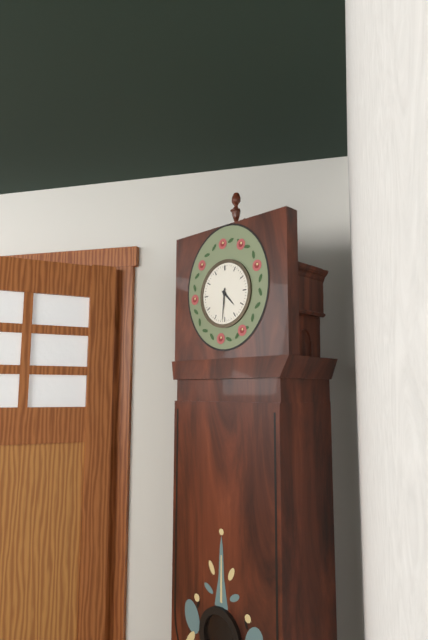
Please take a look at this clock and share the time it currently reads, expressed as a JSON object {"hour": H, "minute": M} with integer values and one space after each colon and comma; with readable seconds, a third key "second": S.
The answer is {"hour": 4, "minute": 31}
